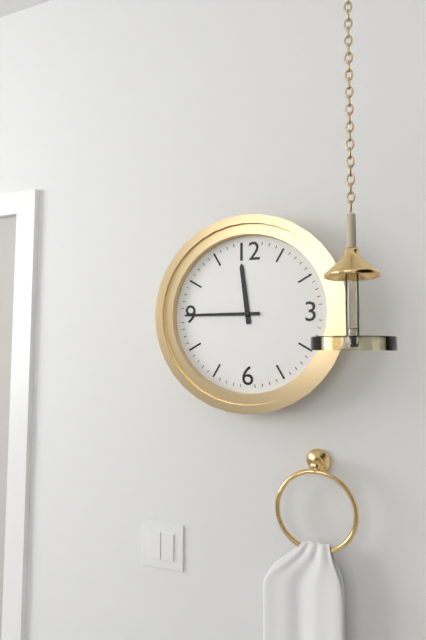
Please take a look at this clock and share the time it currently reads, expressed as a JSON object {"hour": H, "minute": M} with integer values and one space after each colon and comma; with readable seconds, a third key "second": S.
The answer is {"hour": 11, "minute": 45}
